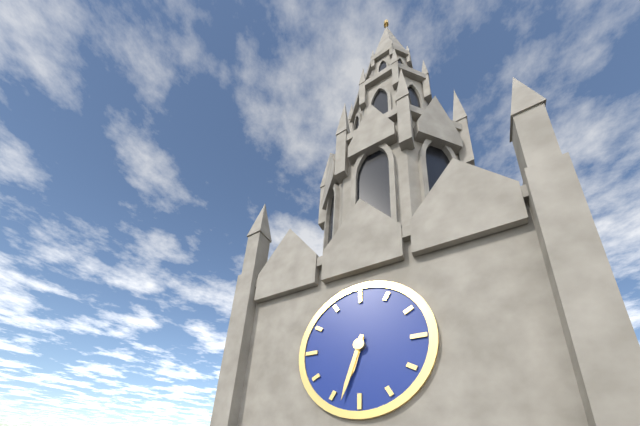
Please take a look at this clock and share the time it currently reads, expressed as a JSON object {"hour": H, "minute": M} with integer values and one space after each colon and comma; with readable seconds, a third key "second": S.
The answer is {"hour": 6, "minute": 33}
